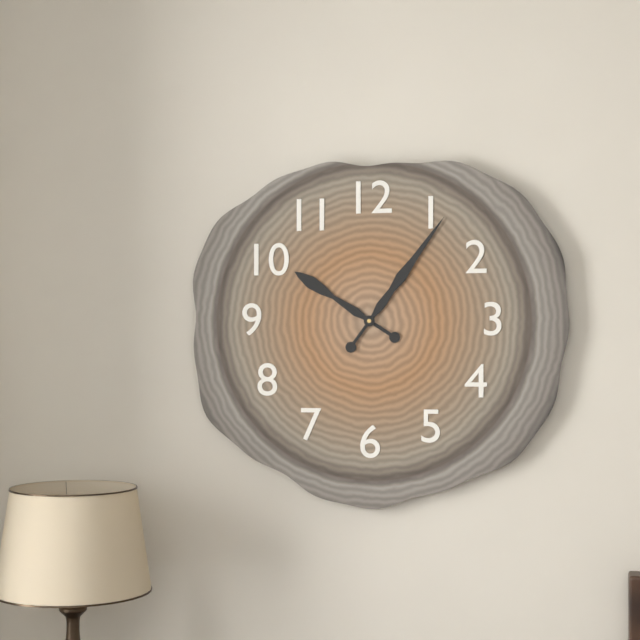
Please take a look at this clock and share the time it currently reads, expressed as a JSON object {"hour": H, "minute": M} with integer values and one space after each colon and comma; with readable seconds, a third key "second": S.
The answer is {"hour": 10, "minute": 6}
